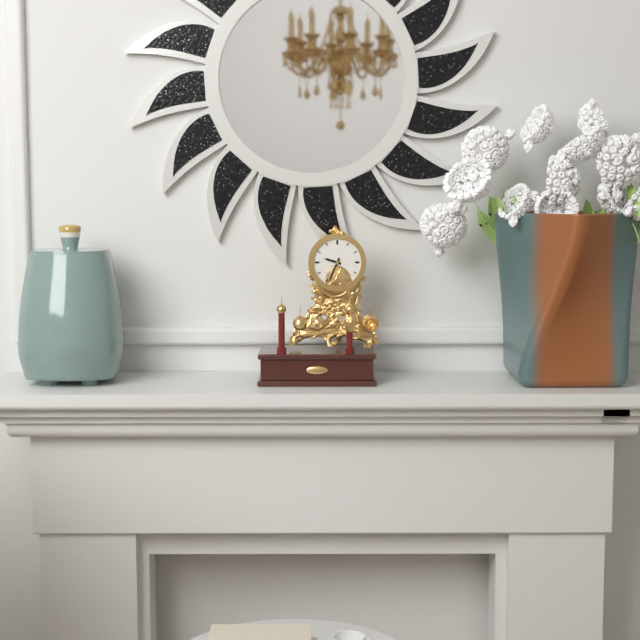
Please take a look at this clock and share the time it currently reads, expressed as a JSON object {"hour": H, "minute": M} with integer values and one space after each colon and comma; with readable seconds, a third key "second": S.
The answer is {"hour": 9, "minute": 34}
